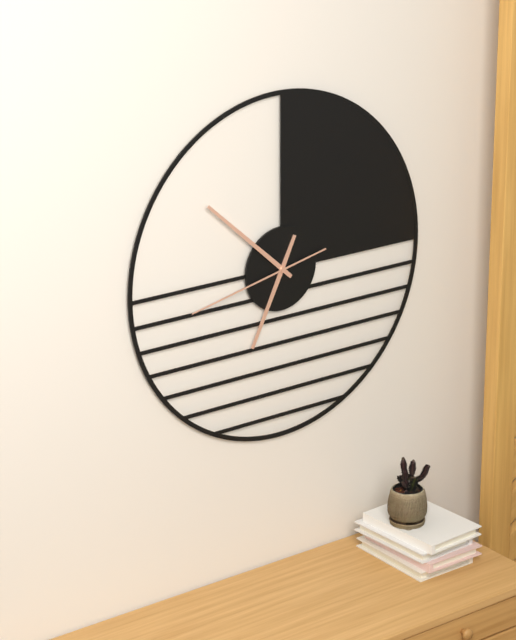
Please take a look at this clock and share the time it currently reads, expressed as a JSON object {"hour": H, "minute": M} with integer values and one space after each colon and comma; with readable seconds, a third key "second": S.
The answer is {"hour": 6, "minute": 52, "second": 43}
